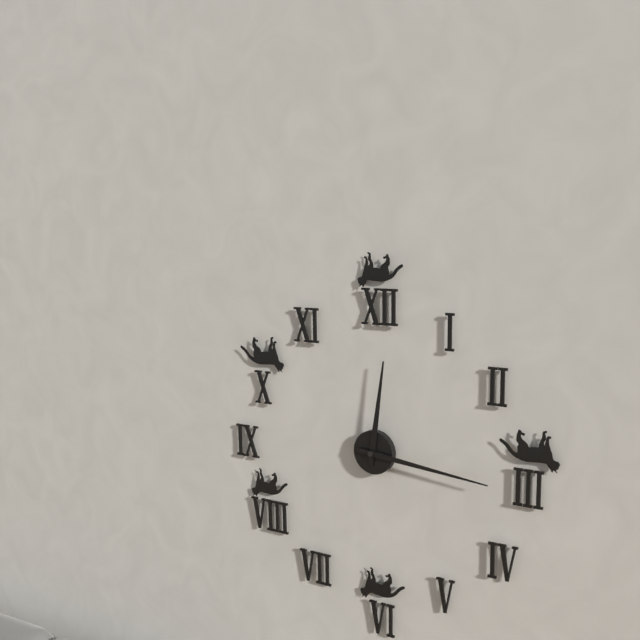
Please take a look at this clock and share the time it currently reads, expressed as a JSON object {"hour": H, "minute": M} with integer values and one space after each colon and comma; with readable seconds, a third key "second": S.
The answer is {"hour": 12, "minute": 16}
